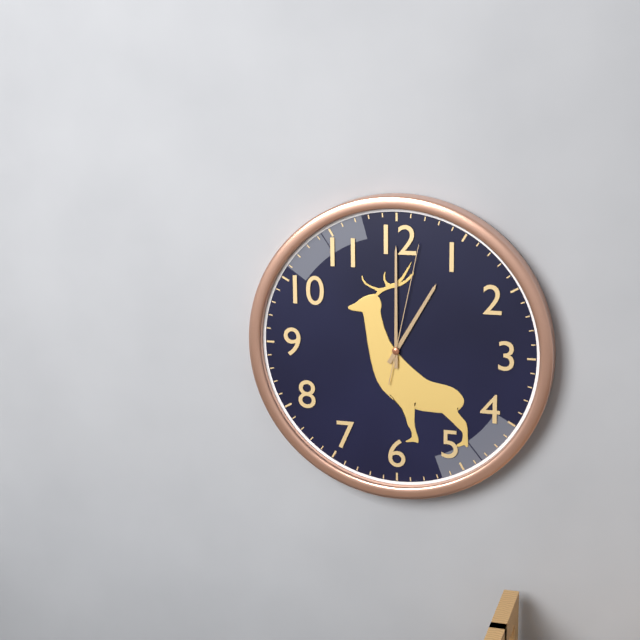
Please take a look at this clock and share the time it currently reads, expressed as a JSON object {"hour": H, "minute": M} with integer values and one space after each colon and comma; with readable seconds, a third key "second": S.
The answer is {"hour": 1, "minute": 0, "second": 2}
